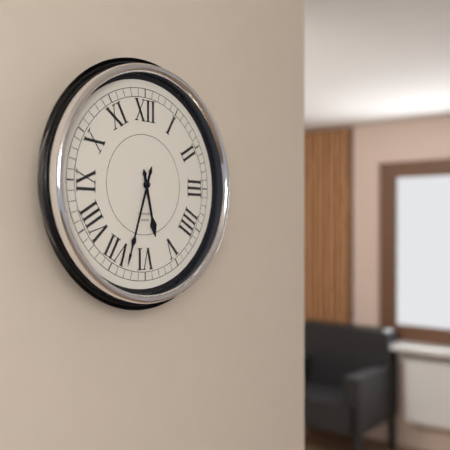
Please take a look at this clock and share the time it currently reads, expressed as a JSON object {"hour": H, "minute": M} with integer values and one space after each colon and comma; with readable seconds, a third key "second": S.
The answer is {"hour": 5, "minute": 33}
